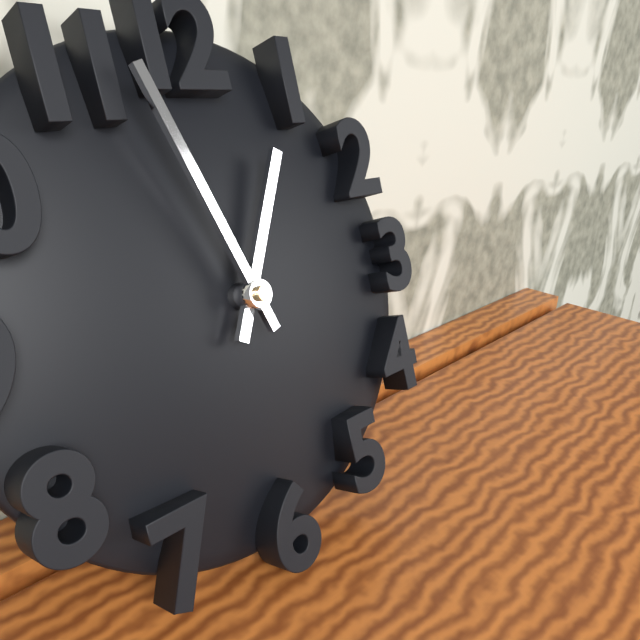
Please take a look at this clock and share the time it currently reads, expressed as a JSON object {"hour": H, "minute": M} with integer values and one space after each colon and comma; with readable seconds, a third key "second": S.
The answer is {"hour": 12, "minute": 57}
